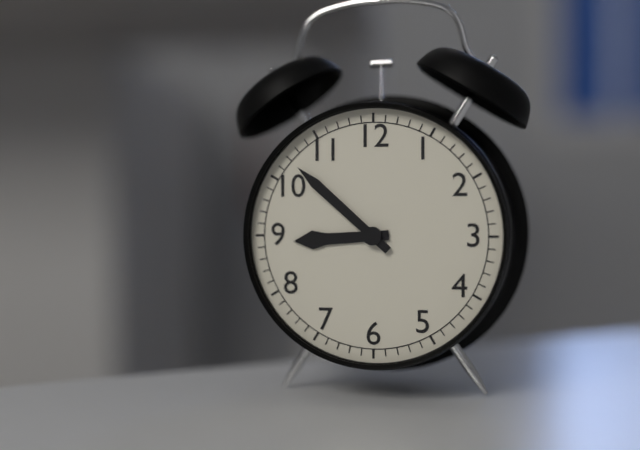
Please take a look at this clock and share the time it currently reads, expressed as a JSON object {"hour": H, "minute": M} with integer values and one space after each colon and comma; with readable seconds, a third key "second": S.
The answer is {"hour": 8, "minute": 52}
